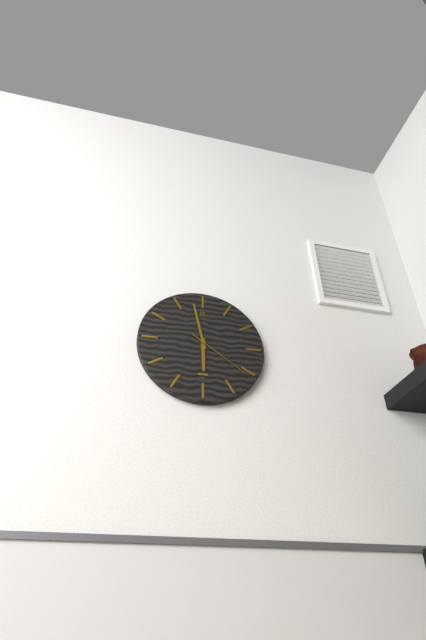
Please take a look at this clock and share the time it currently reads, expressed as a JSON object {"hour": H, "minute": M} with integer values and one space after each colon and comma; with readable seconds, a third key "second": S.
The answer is {"hour": 5, "minute": 58, "second": 21}
